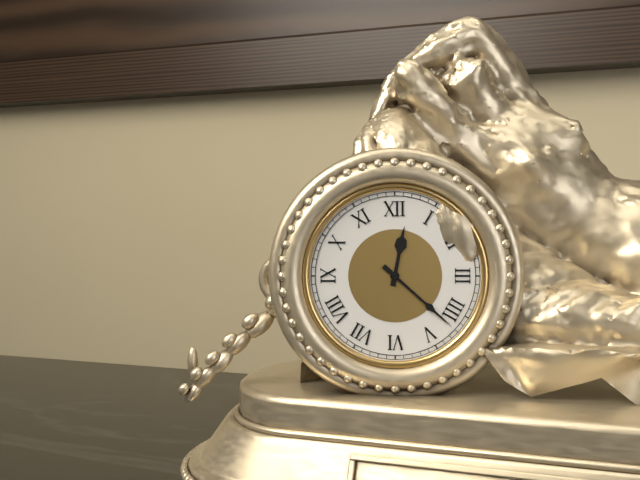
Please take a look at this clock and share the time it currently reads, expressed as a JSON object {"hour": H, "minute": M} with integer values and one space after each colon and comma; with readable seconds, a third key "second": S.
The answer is {"hour": 12, "minute": 22}
